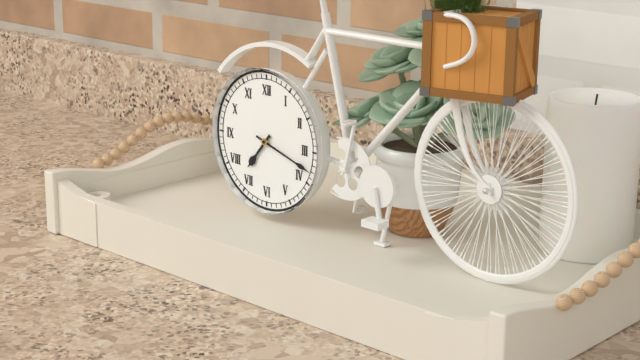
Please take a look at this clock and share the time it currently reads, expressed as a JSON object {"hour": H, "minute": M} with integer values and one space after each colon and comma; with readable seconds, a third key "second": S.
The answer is {"hour": 7, "minute": 18}
